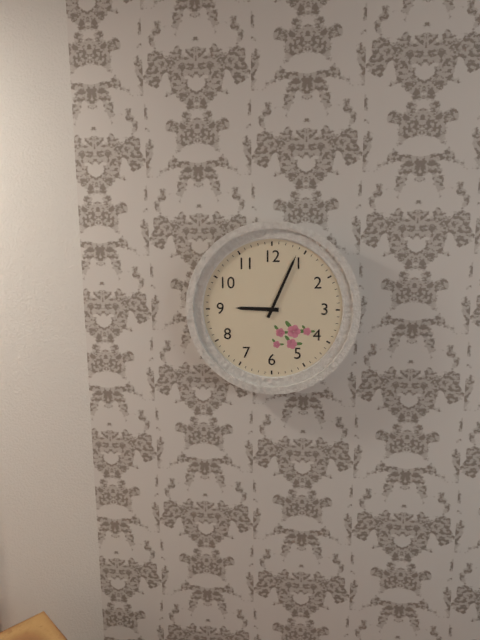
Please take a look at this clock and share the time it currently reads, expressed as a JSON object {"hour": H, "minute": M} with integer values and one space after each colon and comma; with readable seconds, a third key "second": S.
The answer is {"hour": 9, "minute": 4}
